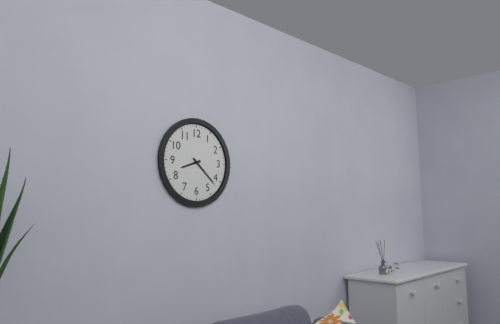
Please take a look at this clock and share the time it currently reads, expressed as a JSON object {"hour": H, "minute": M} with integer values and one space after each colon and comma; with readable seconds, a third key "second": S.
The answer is {"hour": 8, "minute": 22}
